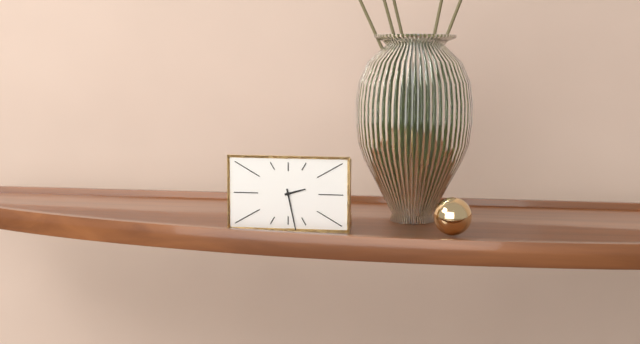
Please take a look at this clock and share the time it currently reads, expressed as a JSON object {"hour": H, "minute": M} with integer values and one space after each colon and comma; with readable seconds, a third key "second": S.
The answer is {"hour": 2, "minute": 28}
